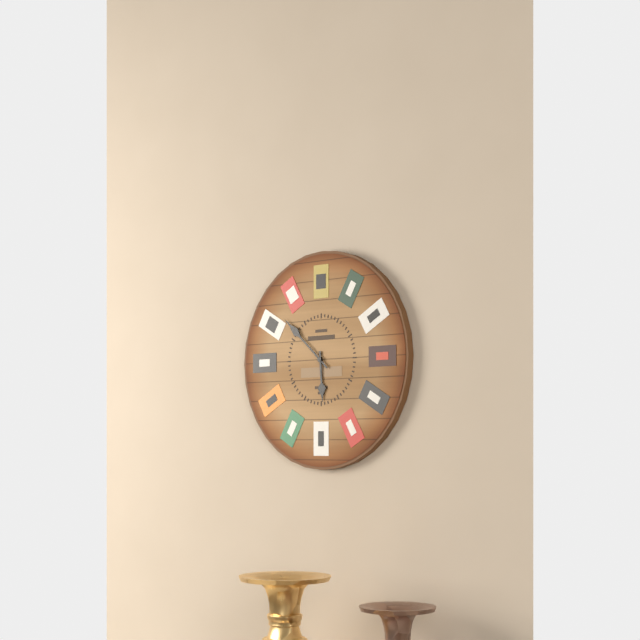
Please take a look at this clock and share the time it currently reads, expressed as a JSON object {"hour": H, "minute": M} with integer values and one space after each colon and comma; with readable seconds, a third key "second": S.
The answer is {"hour": 5, "minute": 52}
